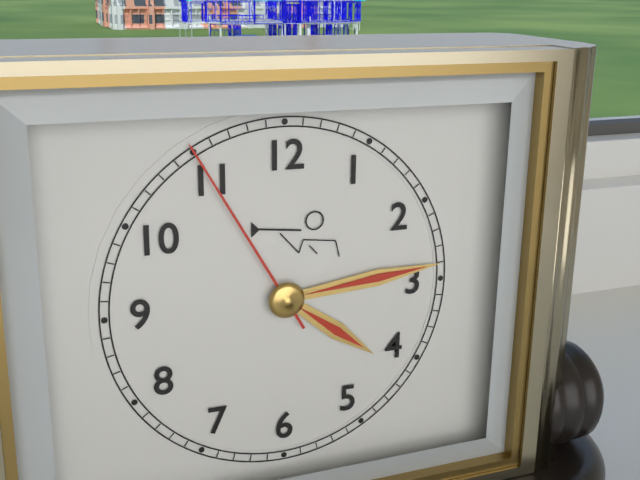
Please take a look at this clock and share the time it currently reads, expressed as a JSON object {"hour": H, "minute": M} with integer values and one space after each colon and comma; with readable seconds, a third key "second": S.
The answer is {"hour": 4, "minute": 14, "second": 55}
